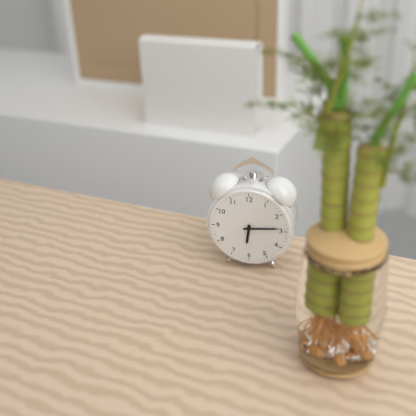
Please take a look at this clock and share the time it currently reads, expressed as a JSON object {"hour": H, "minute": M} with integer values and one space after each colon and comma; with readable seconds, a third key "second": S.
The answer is {"hour": 6, "minute": 14}
